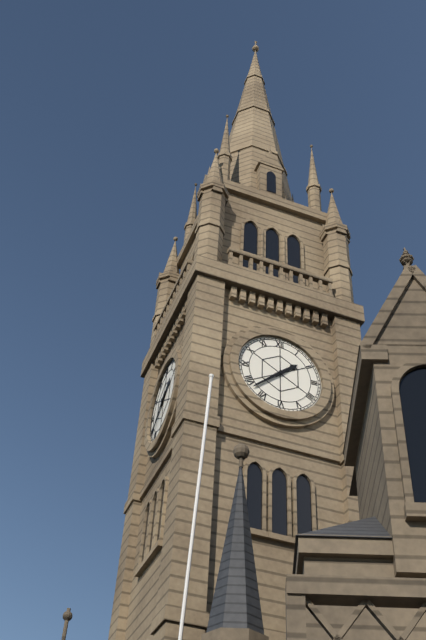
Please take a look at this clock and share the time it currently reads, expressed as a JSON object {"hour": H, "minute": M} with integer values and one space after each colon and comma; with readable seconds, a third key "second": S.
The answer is {"hour": 1, "minute": 38}
